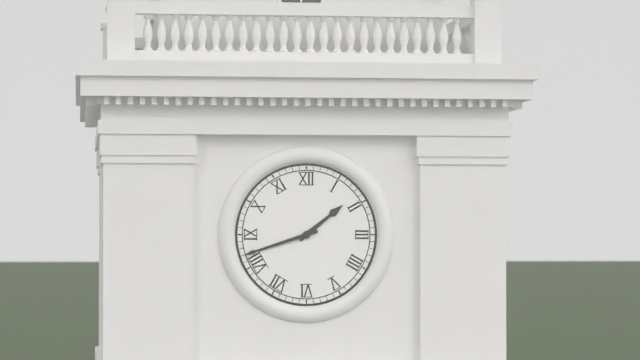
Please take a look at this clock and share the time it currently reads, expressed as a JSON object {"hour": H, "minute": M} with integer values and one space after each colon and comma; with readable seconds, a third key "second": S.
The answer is {"hour": 1, "minute": 42}
